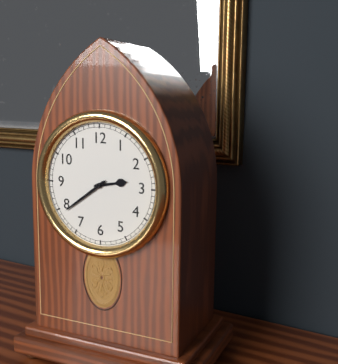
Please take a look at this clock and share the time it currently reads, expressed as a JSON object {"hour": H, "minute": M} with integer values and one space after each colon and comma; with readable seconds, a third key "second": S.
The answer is {"hour": 2, "minute": 39}
